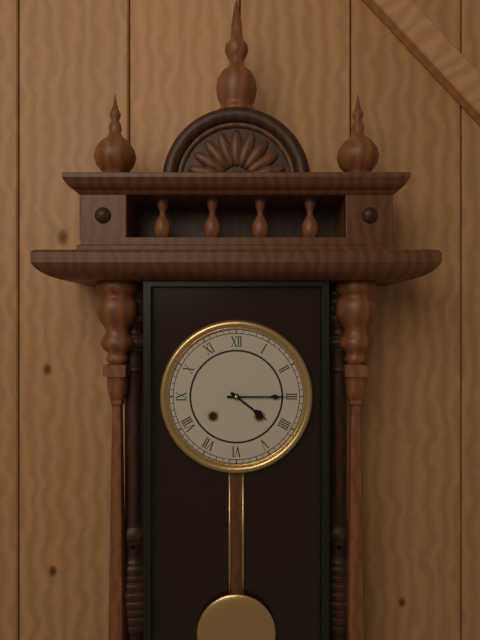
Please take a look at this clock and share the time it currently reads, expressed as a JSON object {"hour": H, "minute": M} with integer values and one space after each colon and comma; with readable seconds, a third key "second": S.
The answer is {"hour": 4, "minute": 15}
